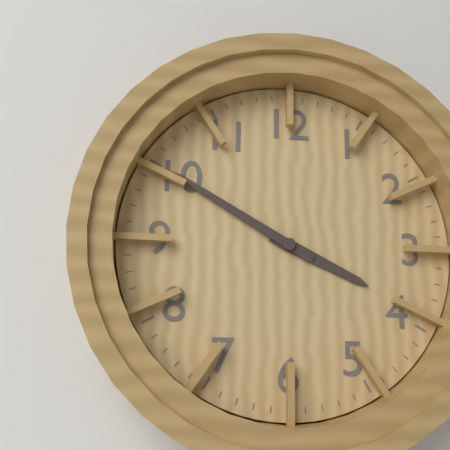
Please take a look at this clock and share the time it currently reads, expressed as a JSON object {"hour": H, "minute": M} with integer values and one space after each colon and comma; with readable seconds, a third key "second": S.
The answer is {"hour": 3, "minute": 50}
